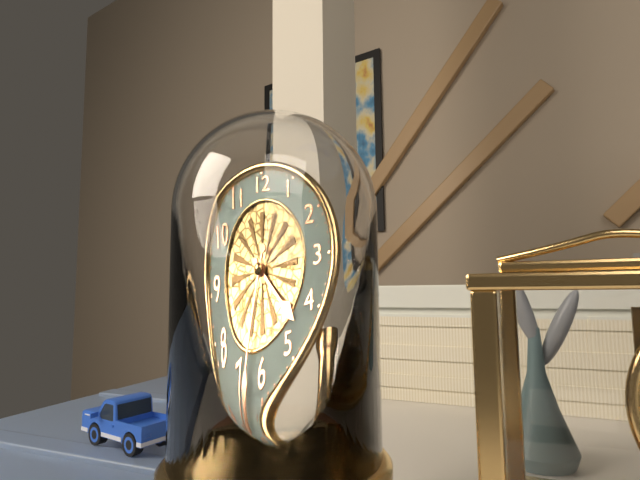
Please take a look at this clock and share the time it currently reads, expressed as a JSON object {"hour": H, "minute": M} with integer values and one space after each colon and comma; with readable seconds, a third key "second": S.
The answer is {"hour": 4, "minute": 33}
